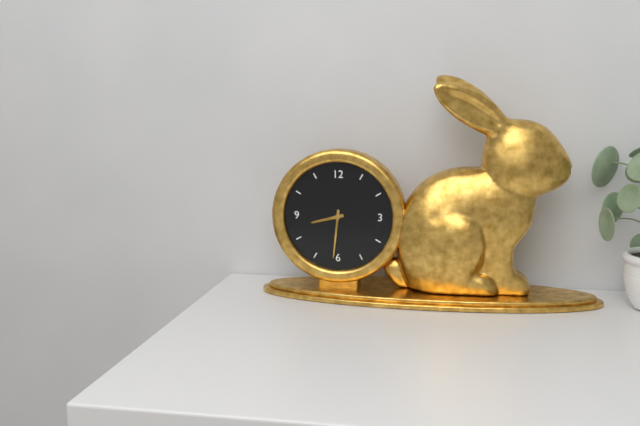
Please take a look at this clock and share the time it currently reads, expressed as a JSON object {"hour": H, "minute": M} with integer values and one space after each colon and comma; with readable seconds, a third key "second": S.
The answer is {"hour": 8, "minute": 31}
